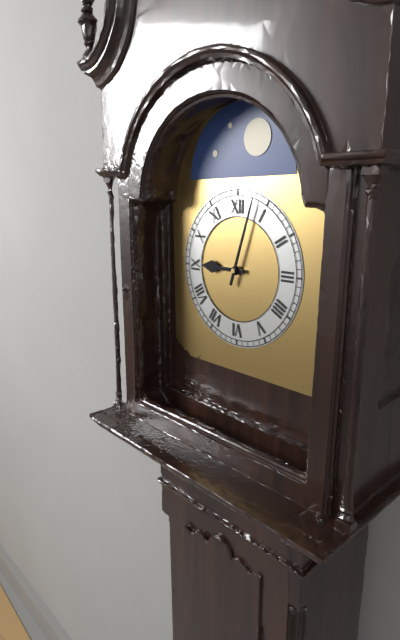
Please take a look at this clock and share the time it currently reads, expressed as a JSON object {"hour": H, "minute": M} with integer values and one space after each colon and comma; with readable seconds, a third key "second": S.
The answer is {"hour": 9, "minute": 3}
